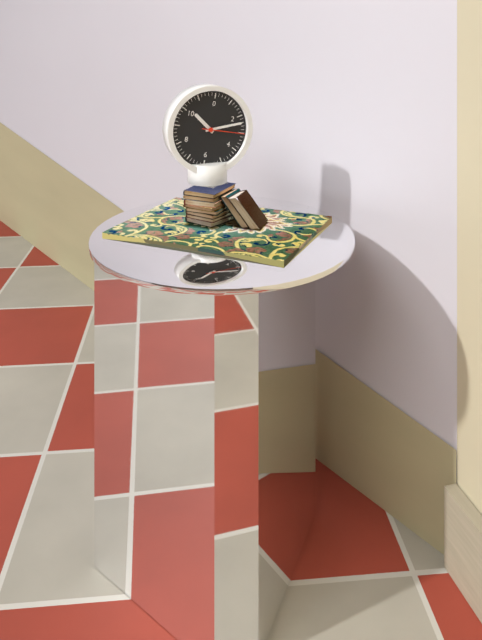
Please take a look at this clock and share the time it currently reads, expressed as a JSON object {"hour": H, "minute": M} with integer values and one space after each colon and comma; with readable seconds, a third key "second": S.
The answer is {"hour": 10, "minute": 12}
